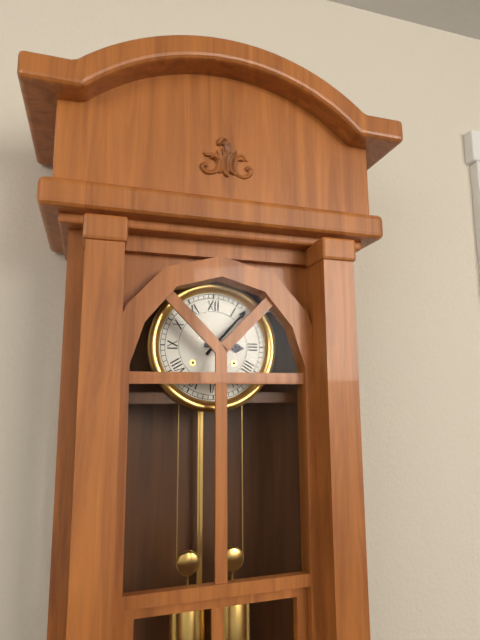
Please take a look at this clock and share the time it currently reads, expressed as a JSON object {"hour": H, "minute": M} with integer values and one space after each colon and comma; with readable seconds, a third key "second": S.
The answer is {"hour": 3, "minute": 7}
